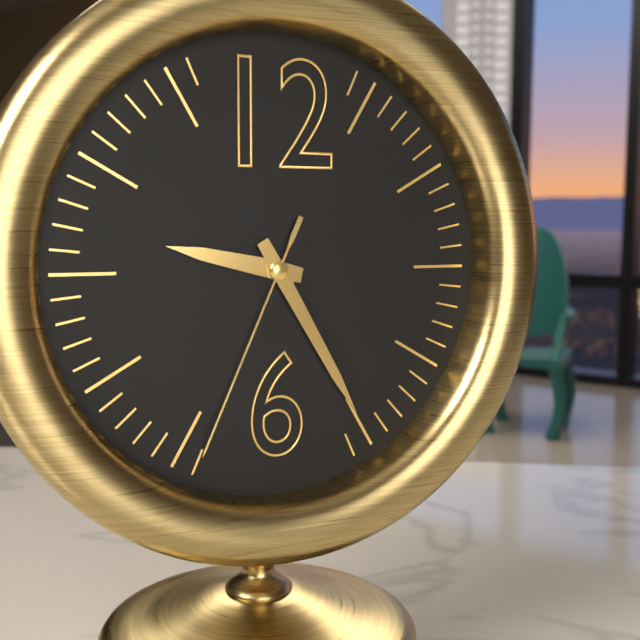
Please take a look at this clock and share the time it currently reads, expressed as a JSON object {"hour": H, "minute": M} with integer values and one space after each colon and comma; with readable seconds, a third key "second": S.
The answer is {"hour": 9, "minute": 25, "second": 34}
